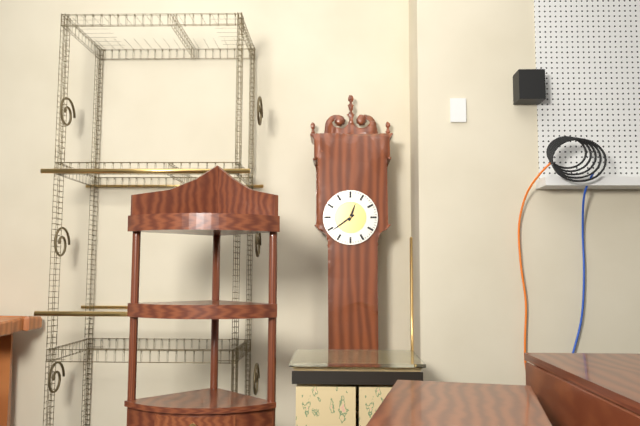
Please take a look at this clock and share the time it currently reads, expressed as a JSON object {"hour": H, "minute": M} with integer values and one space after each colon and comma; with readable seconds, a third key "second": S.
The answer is {"hour": 12, "minute": 39}
